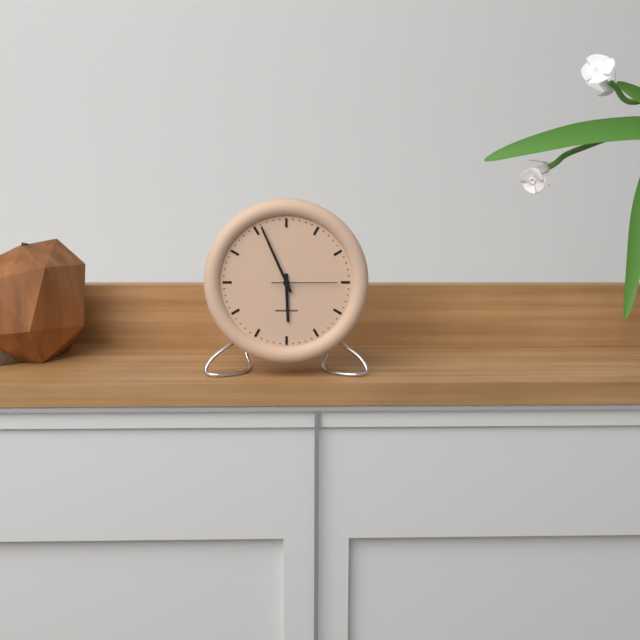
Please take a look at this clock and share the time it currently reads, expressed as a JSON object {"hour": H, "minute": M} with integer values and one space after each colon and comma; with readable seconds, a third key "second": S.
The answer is {"hour": 5, "minute": 56, "second": 15}
